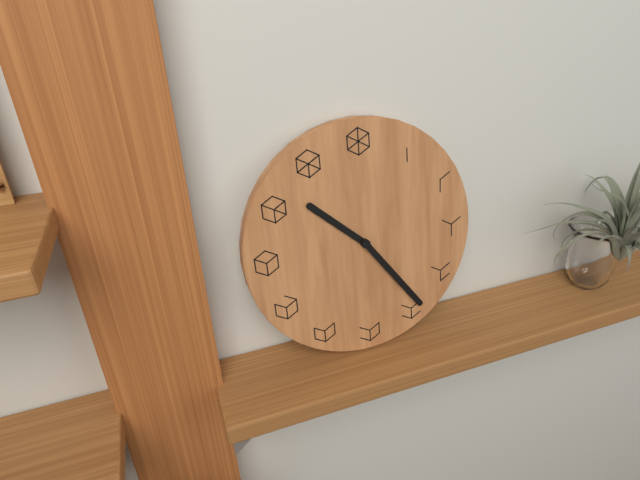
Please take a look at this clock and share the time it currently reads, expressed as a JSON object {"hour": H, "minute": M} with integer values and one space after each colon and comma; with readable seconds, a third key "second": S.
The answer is {"hour": 10, "minute": 24}
